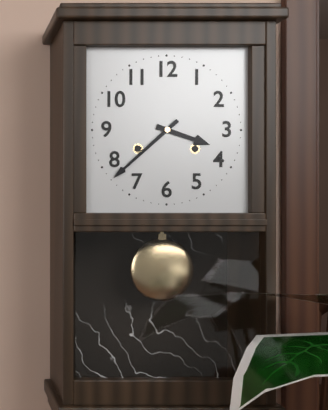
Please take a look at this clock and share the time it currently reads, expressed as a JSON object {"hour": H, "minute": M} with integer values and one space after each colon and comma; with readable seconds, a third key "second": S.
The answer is {"hour": 3, "minute": 38}
